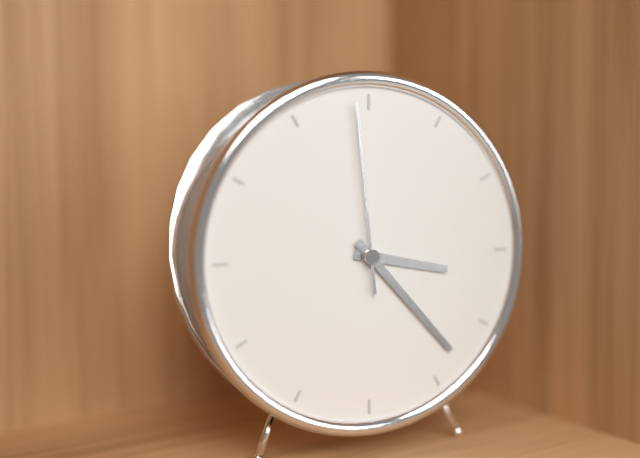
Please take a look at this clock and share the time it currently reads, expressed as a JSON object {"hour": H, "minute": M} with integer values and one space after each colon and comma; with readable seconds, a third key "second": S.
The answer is {"hour": 3, "minute": 23, "second": 59}
